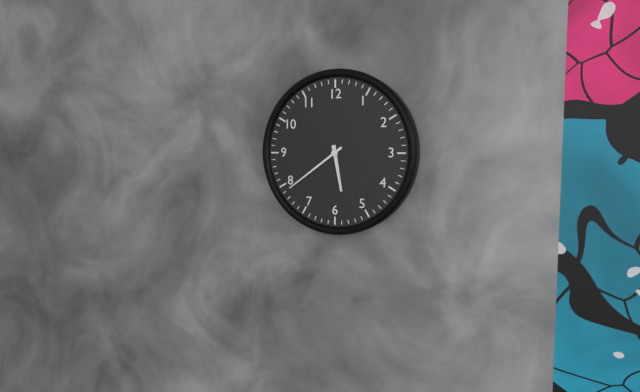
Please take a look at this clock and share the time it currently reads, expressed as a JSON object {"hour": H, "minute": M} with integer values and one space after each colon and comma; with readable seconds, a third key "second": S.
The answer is {"hour": 5, "minute": 39}
